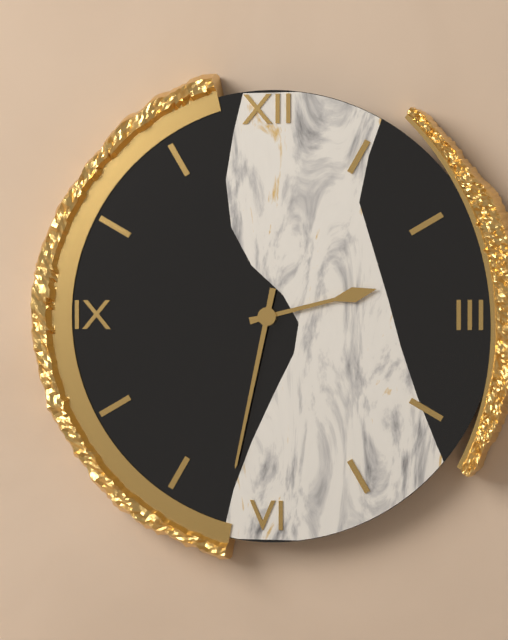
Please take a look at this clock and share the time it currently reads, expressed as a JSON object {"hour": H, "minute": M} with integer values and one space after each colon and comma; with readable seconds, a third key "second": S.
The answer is {"hour": 2, "minute": 32}
